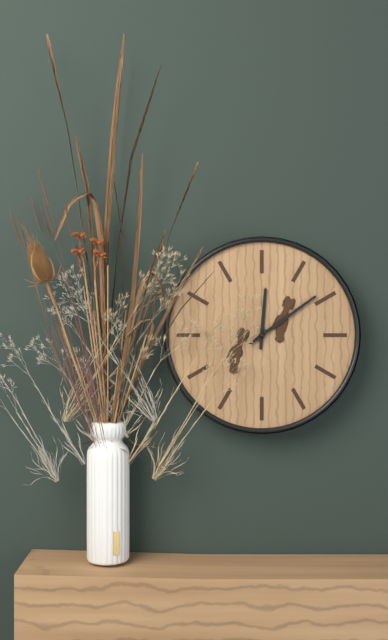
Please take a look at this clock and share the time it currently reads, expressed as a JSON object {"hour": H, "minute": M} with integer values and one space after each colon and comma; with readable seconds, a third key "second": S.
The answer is {"hour": 12, "minute": 9}
